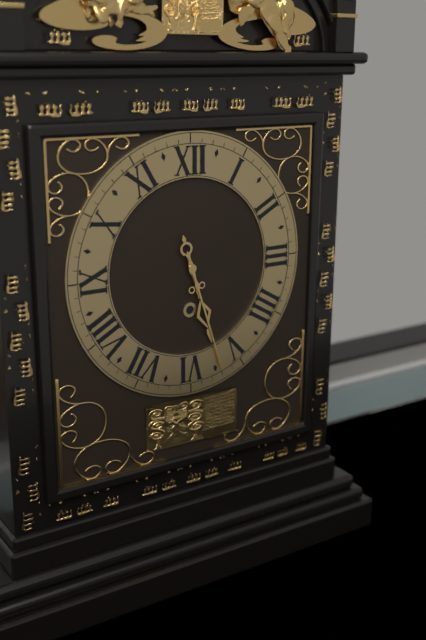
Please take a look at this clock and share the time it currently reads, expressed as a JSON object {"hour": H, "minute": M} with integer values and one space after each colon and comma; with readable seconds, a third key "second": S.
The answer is {"hour": 5, "minute": 27}
